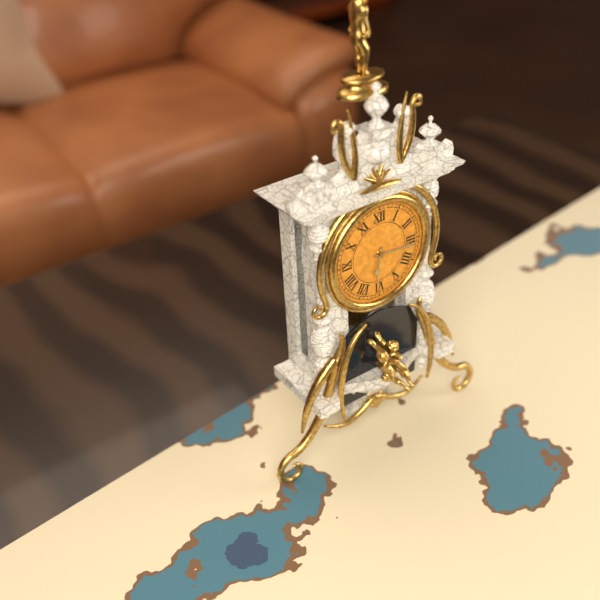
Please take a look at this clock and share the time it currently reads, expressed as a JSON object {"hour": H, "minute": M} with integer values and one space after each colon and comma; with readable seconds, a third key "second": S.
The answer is {"hour": 6, "minute": 16}
